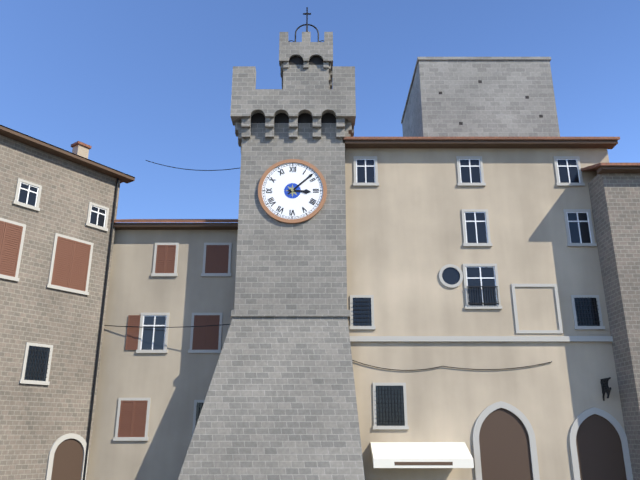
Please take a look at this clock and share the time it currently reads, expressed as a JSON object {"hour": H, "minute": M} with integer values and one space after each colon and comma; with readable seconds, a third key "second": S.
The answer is {"hour": 3, "minute": 8}
